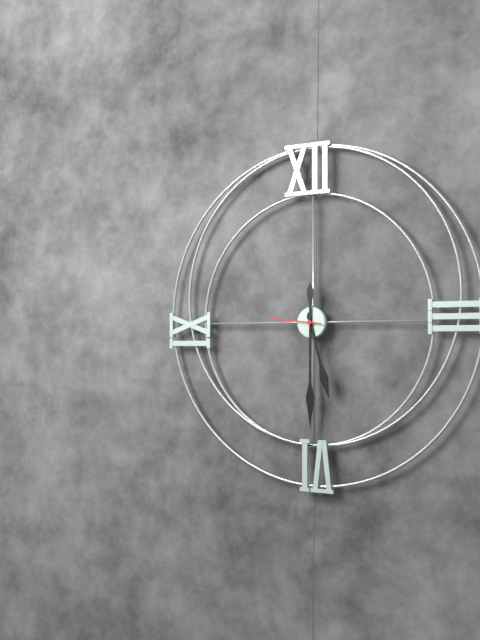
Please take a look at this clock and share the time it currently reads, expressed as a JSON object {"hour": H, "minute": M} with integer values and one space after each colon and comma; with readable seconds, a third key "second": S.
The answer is {"hour": 5, "minute": 30, "second": 46}
